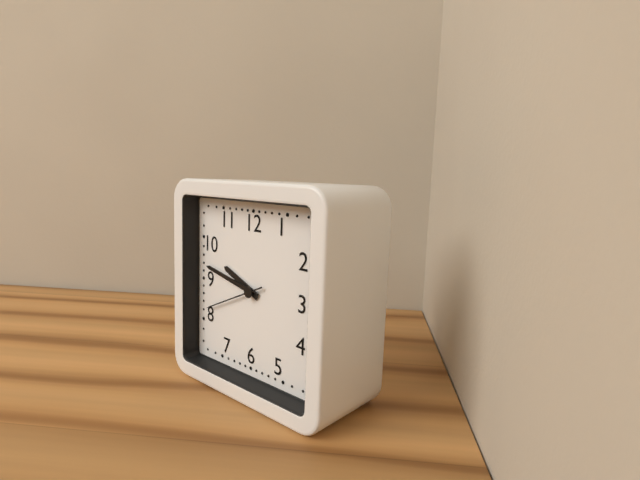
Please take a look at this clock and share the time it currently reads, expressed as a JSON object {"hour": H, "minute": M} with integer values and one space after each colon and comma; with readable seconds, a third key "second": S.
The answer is {"hour": 9, "minute": 47, "second": 41}
